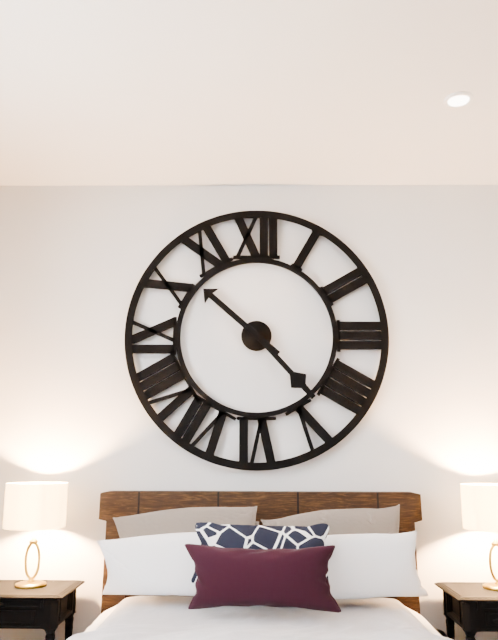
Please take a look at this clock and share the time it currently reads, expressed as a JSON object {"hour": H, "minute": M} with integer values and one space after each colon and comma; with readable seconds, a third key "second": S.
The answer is {"hour": 10, "minute": 23}
